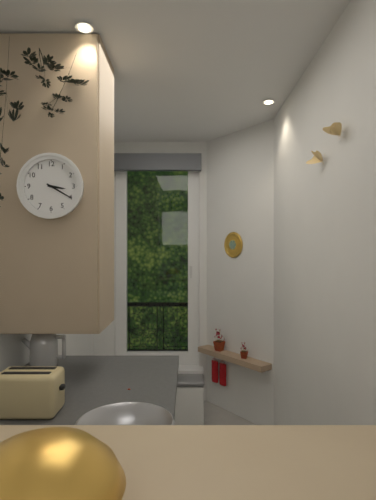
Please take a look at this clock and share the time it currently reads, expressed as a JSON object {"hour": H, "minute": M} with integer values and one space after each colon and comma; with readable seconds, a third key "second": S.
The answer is {"hour": 3, "minute": 20}
